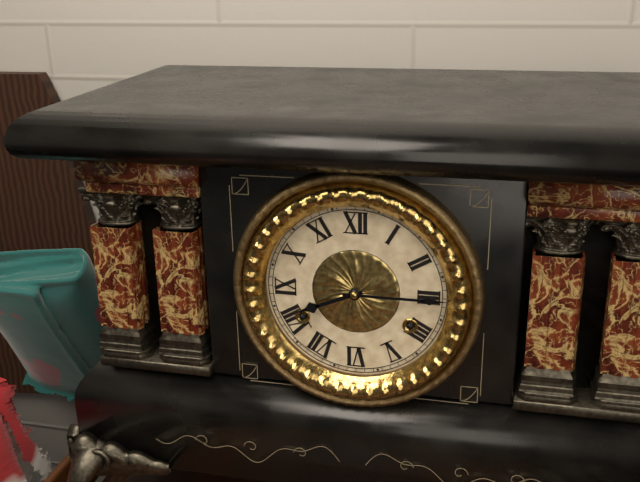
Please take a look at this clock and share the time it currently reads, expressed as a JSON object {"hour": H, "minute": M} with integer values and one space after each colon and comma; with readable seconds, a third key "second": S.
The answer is {"hour": 8, "minute": 15}
